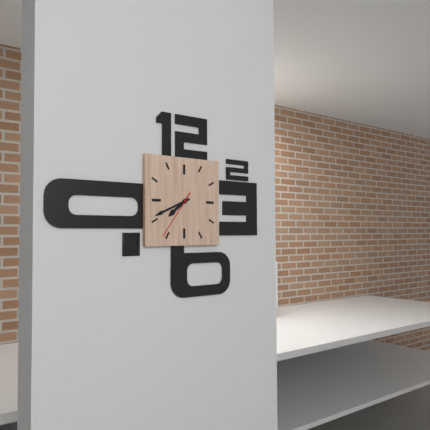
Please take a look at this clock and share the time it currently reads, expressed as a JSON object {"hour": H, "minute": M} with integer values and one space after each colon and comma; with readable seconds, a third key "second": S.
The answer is {"hour": 7, "minute": 41}
